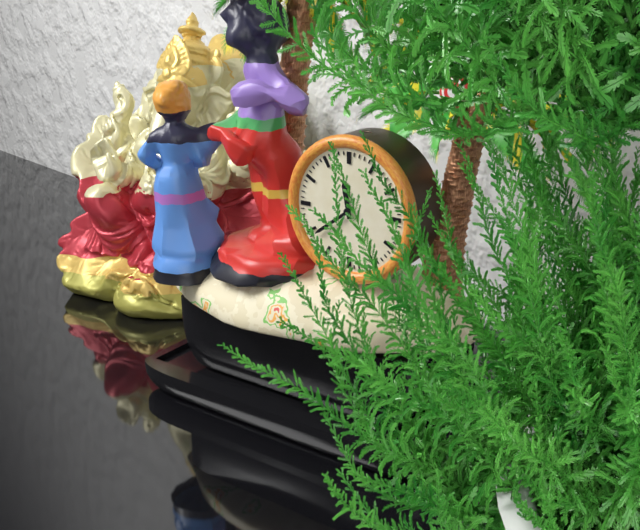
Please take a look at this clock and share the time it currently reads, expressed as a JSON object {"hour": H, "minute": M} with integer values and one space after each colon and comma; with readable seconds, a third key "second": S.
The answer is {"hour": 11, "minute": 39}
